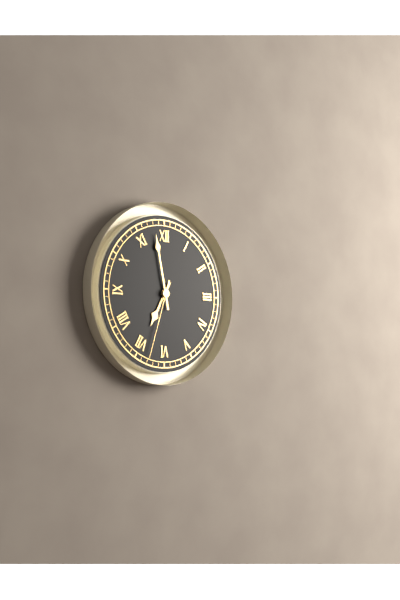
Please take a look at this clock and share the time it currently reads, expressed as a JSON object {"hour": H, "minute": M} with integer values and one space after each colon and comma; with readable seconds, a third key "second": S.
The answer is {"hour": 6, "minute": 58, "second": 33}
